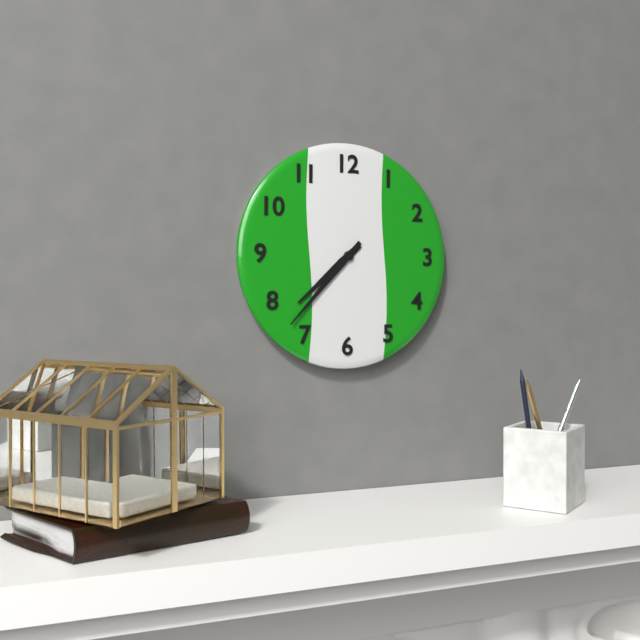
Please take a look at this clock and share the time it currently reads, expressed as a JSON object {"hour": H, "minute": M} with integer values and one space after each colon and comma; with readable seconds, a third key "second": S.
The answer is {"hour": 7, "minute": 37}
